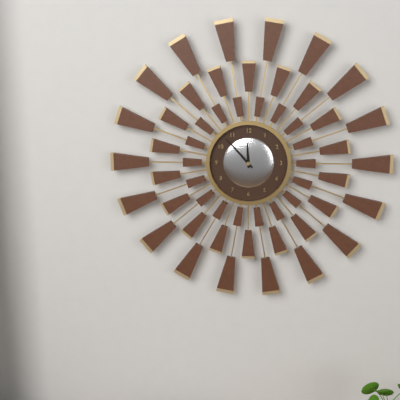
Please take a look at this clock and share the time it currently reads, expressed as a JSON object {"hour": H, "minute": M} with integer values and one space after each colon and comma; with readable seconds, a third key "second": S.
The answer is {"hour": 11, "minute": 53}
